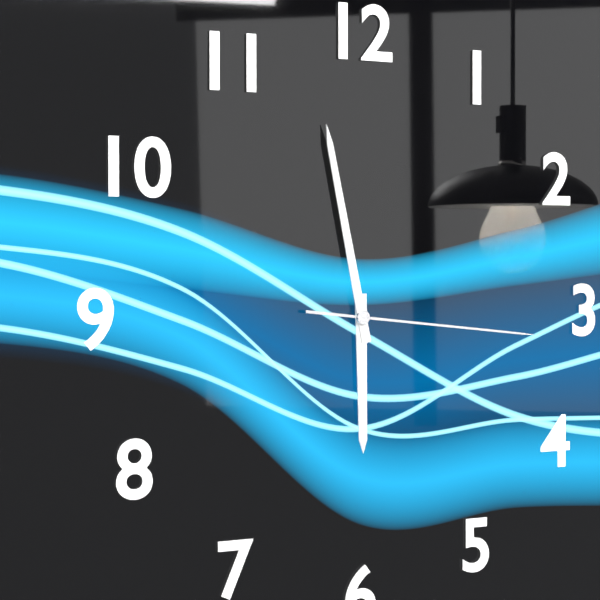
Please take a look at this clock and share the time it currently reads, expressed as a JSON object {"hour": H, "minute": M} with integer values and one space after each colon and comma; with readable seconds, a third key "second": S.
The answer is {"hour": 5, "minute": 58, "second": 16}
